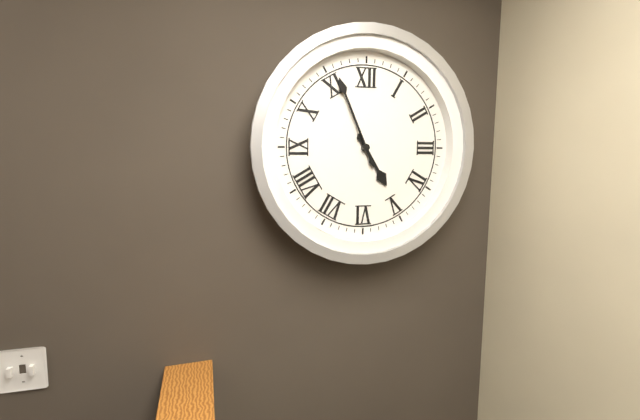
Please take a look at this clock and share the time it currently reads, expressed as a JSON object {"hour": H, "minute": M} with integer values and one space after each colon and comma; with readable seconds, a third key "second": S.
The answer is {"hour": 4, "minute": 56}
